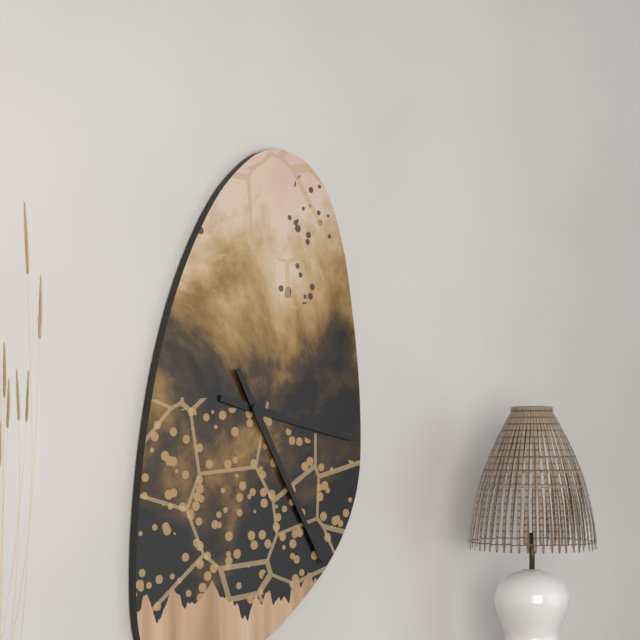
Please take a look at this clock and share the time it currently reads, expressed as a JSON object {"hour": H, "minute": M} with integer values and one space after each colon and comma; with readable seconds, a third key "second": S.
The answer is {"hour": 3, "minute": 25}
